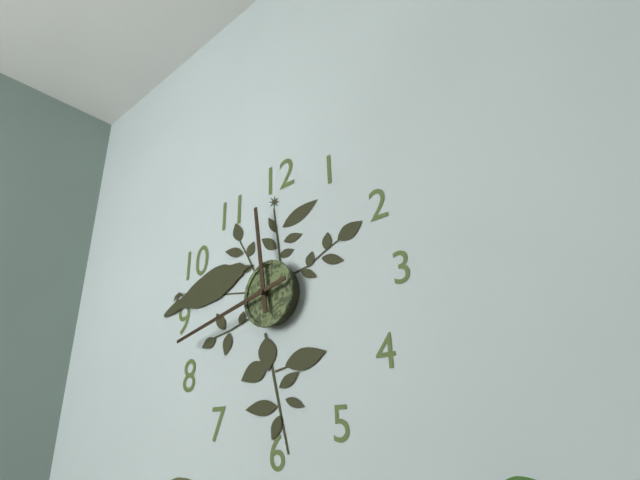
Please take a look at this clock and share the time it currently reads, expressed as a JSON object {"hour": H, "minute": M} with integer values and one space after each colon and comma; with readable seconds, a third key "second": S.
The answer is {"hour": 11, "minute": 43}
